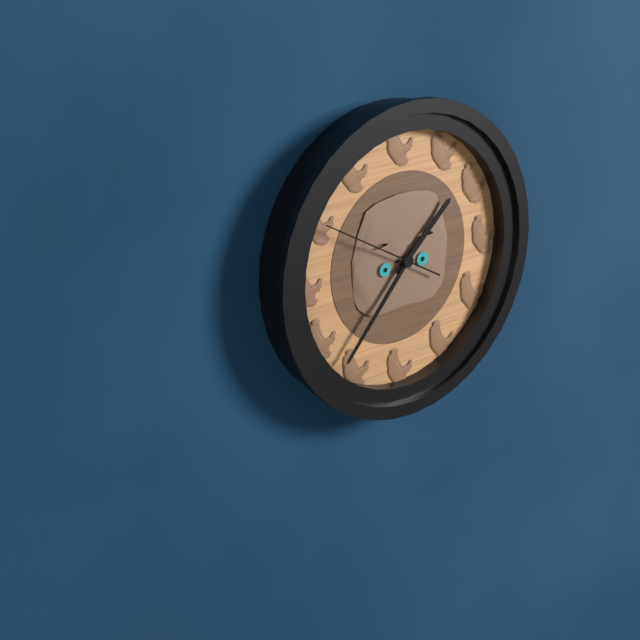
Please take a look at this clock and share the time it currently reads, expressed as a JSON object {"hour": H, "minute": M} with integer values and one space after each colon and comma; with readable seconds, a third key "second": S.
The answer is {"hour": 1, "minute": 37, "second": 50}
